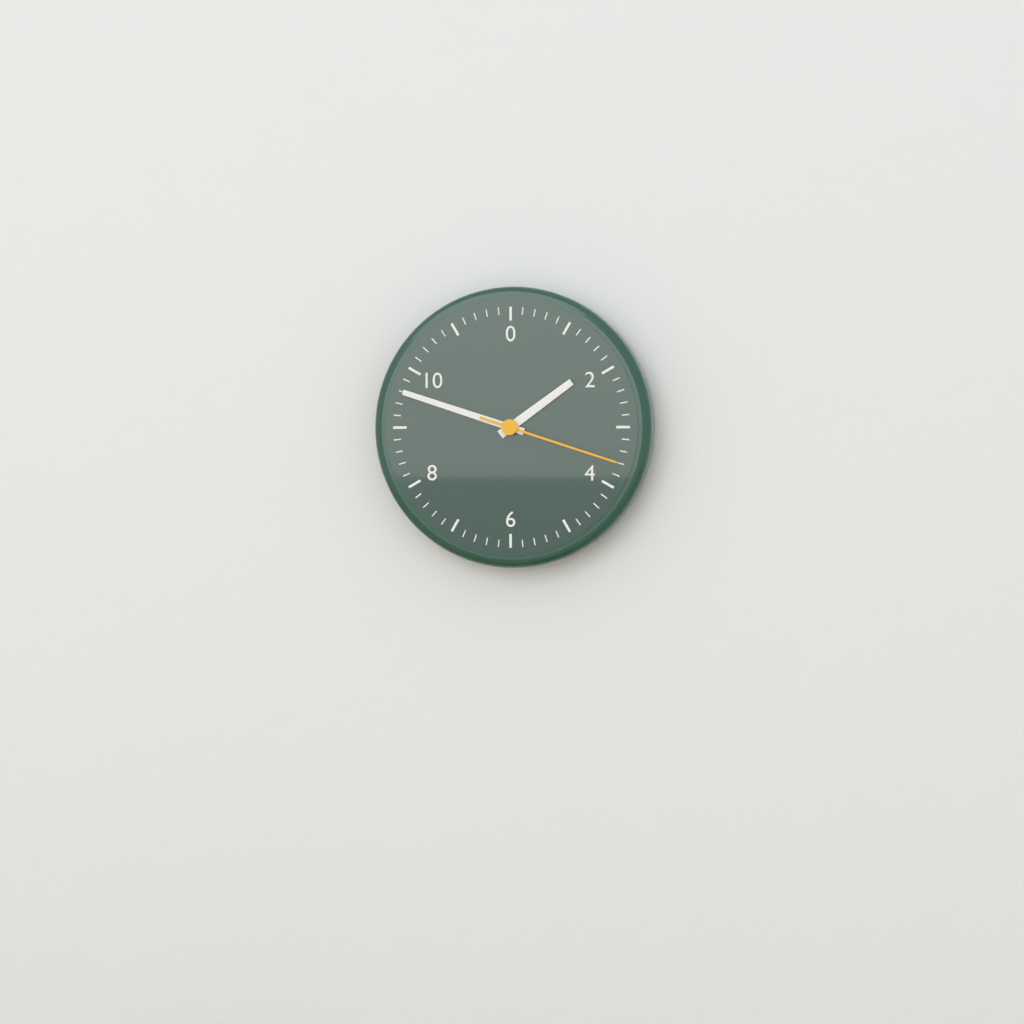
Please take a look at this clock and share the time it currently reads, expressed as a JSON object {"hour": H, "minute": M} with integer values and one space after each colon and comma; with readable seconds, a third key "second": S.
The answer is {"hour": 1, "minute": 48, "second": 18}
